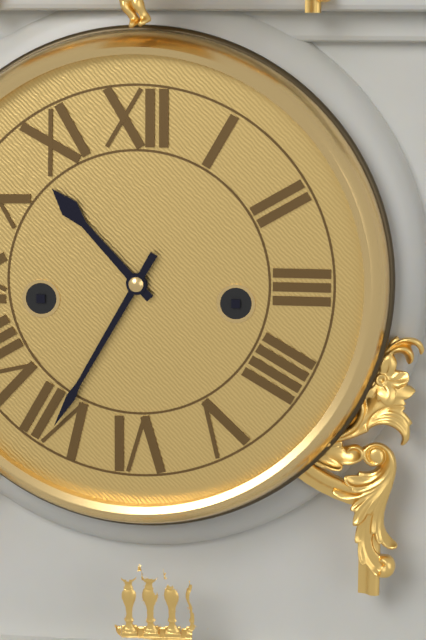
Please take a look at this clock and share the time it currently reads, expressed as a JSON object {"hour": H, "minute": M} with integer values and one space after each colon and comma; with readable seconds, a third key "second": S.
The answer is {"hour": 10, "minute": 35}
